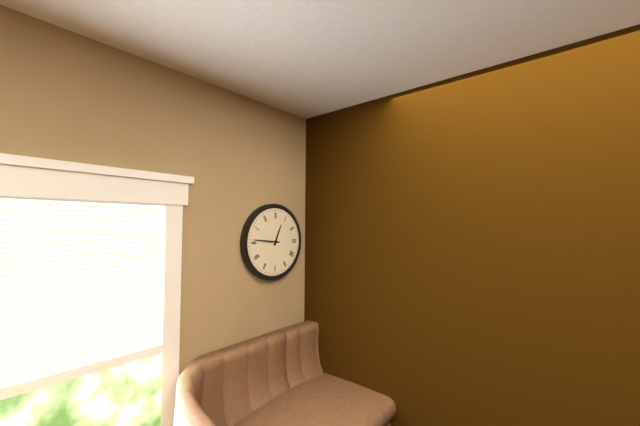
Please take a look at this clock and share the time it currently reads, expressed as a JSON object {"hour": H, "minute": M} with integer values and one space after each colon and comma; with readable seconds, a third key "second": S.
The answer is {"hour": 12, "minute": 46}
